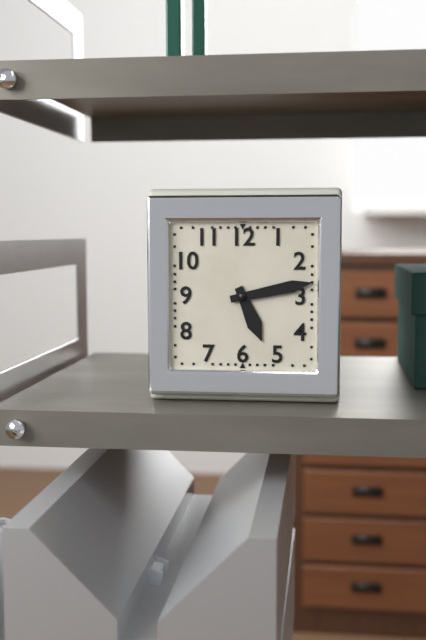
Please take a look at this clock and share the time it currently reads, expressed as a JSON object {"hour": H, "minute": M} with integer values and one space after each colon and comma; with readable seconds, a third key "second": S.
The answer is {"hour": 5, "minute": 13}
